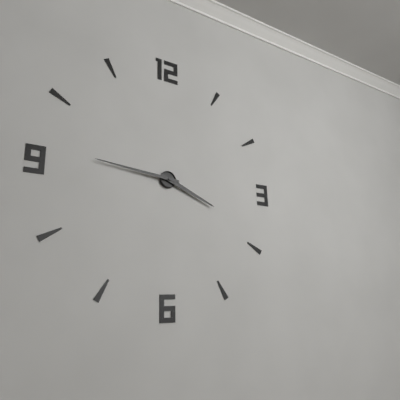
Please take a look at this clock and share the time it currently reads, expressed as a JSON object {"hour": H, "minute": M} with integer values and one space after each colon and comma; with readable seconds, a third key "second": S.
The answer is {"hour": 3, "minute": 46}
